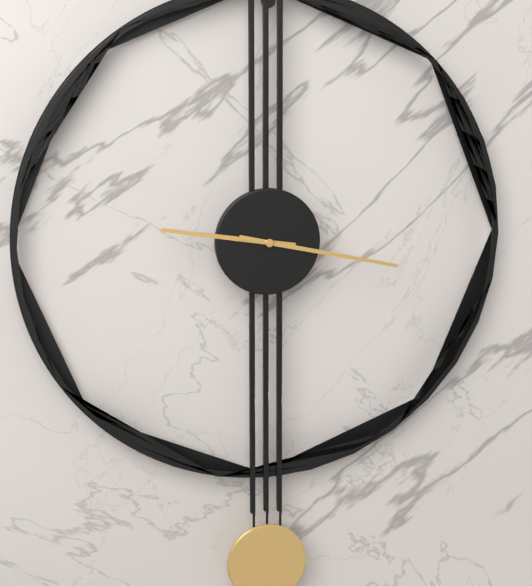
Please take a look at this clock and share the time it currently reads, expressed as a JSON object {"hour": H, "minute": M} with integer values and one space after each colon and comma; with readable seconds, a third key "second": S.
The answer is {"hour": 9, "minute": 17}
